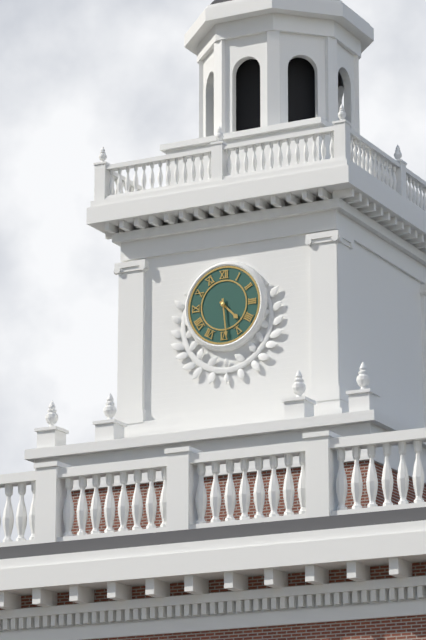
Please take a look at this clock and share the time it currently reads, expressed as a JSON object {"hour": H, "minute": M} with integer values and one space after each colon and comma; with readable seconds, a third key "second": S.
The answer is {"hour": 4, "minute": 29}
